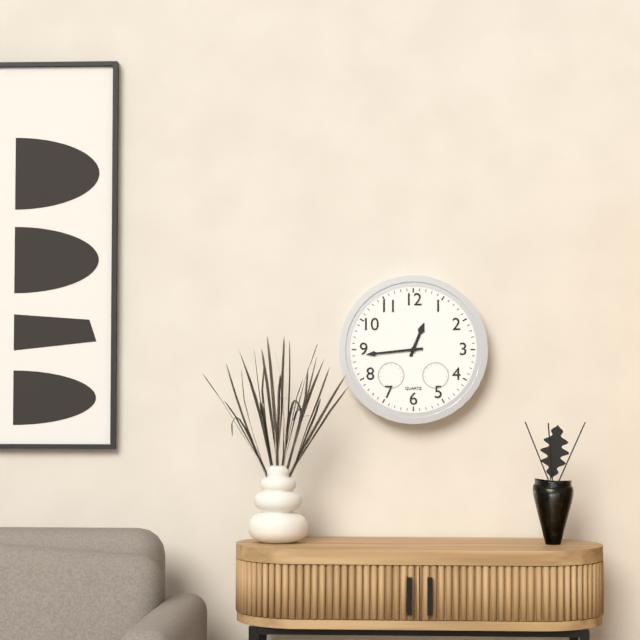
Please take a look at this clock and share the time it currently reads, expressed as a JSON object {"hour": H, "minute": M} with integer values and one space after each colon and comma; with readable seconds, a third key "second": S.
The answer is {"hour": 12, "minute": 44}
